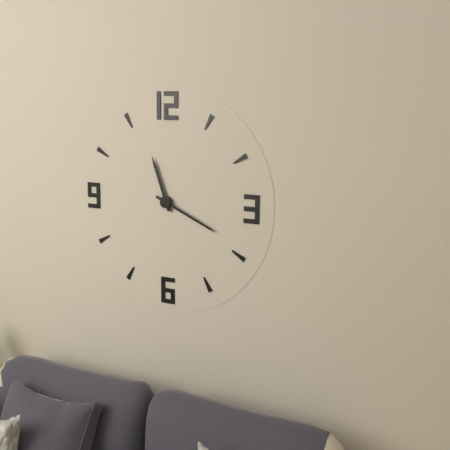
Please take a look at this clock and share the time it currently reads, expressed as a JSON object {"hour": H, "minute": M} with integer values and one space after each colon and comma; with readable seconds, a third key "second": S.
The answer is {"hour": 11, "minute": 19}
